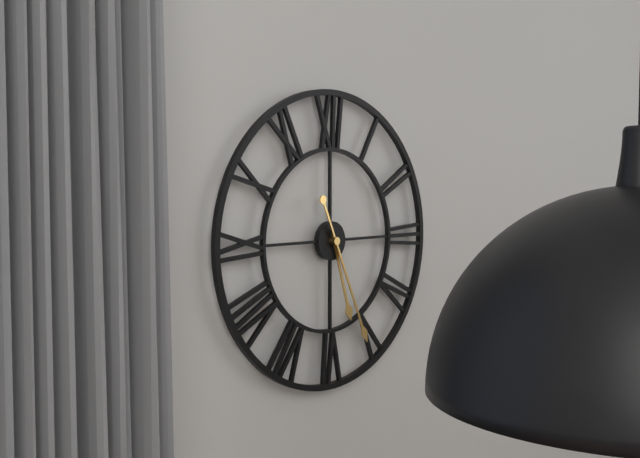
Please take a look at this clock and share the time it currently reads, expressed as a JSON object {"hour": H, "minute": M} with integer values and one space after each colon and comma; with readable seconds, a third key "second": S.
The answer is {"hour": 5, "minute": 26}
